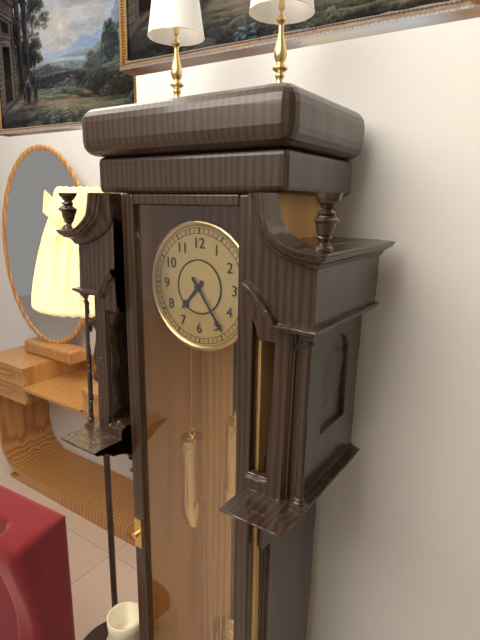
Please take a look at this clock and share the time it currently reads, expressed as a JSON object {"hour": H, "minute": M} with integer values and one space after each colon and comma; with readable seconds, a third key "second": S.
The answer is {"hour": 7, "minute": 24}
